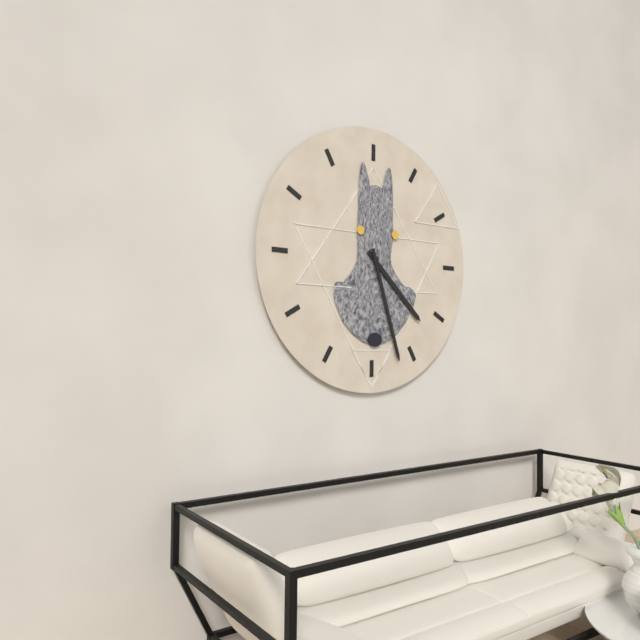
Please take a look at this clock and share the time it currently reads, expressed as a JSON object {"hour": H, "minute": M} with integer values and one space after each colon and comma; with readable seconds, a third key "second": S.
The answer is {"hour": 4, "minute": 27}
